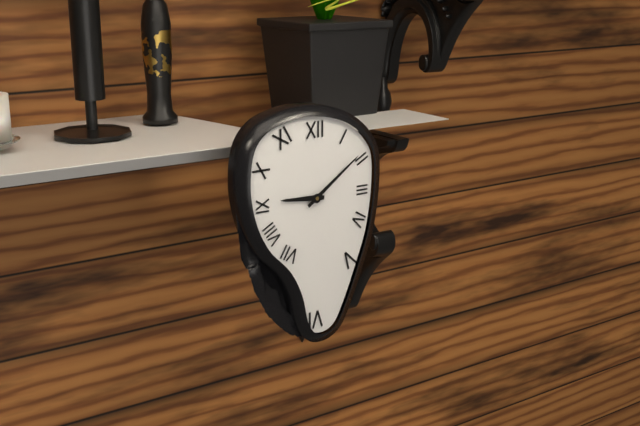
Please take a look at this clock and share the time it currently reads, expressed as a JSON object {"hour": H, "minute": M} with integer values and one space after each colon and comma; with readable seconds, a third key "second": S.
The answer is {"hour": 9, "minute": 9}
